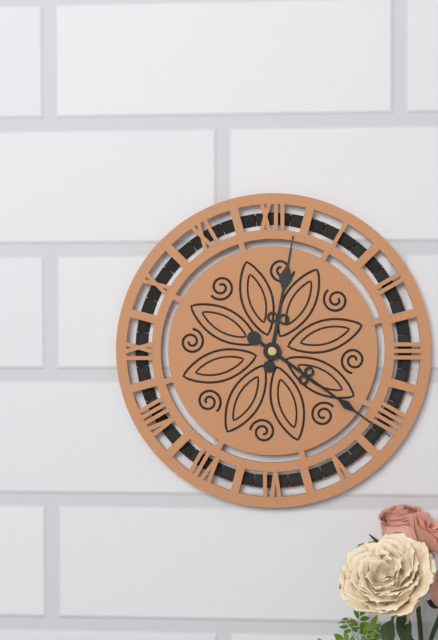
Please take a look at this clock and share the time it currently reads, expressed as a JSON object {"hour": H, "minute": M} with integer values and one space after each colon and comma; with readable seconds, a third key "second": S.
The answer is {"hour": 12, "minute": 21}
